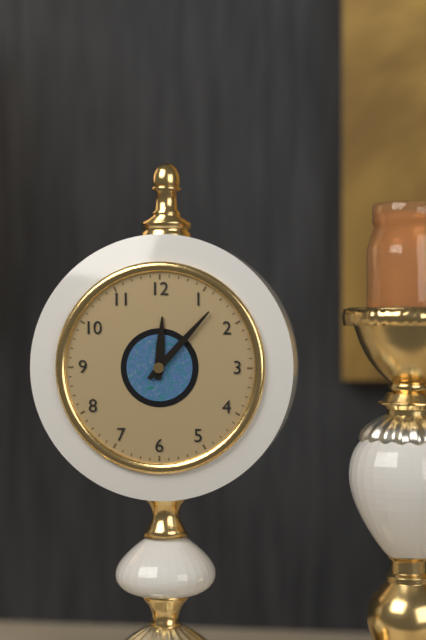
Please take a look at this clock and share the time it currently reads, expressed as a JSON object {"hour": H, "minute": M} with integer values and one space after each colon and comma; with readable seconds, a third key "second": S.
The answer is {"hour": 12, "minute": 7}
